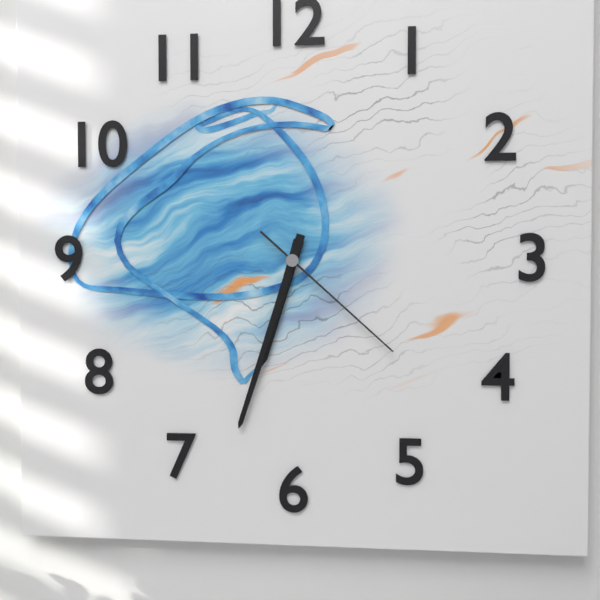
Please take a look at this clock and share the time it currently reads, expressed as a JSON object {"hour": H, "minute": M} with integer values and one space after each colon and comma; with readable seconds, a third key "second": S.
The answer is {"hour": 6, "minute": 33, "second": 22}
